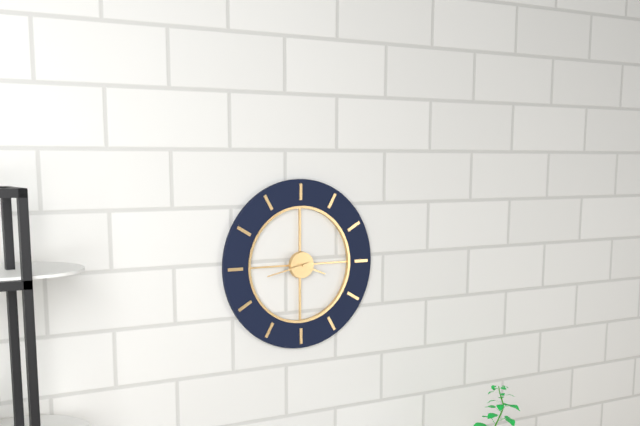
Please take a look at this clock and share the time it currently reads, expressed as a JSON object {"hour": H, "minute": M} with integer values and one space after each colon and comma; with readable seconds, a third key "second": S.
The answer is {"hour": 3, "minute": 43}
